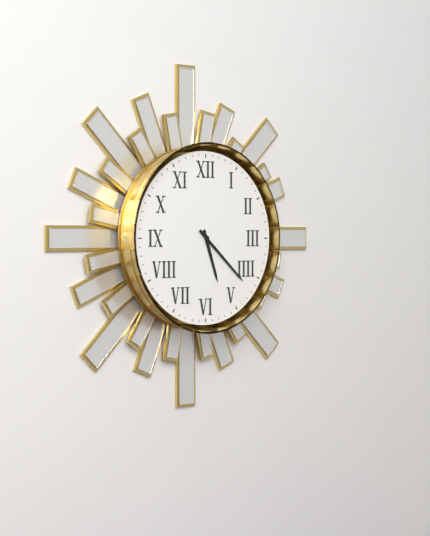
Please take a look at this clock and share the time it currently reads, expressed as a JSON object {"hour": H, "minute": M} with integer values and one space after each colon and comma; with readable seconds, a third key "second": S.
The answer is {"hour": 5, "minute": 22}
